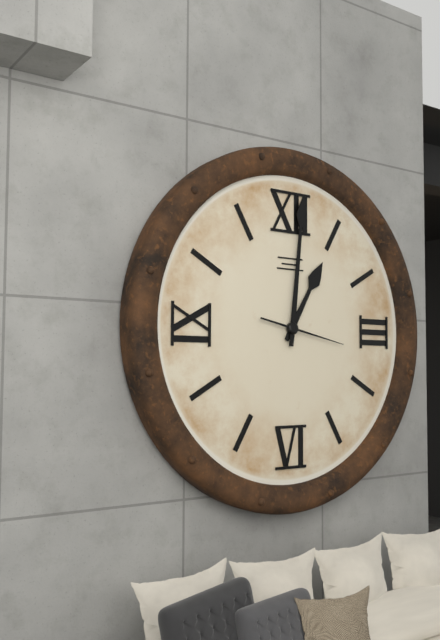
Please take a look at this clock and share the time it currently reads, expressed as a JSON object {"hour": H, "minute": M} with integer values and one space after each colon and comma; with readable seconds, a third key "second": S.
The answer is {"hour": 1, "minute": 1, "second": 17}
